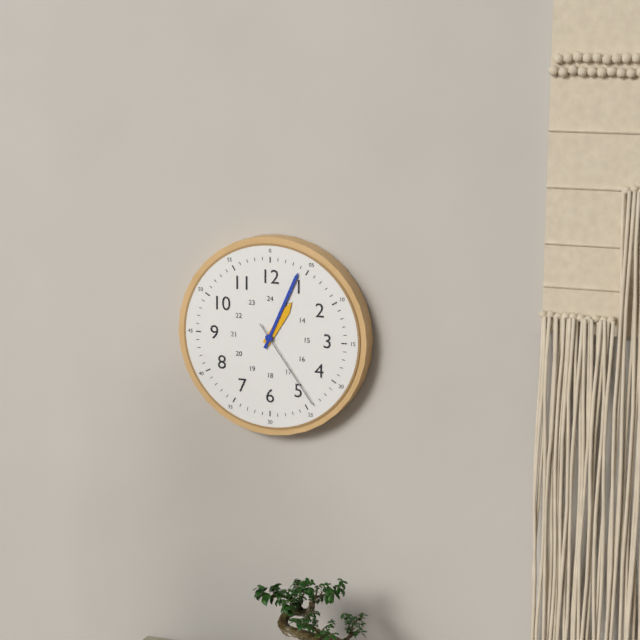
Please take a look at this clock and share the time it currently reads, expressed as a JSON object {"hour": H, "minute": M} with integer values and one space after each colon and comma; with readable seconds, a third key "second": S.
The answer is {"hour": 1, "minute": 4, "second": 24}
